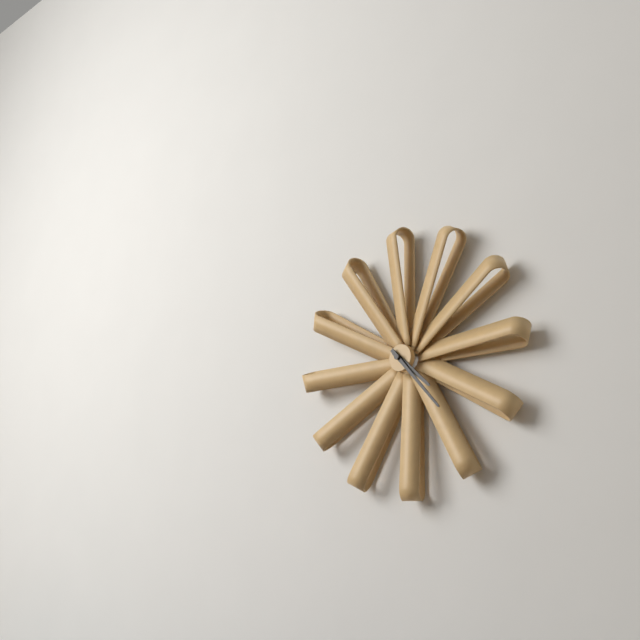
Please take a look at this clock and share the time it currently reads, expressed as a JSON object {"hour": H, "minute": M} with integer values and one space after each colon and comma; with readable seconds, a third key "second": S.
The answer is {"hour": 4, "minute": 23}
